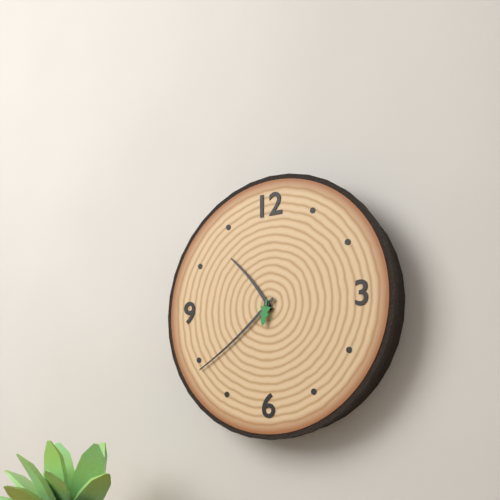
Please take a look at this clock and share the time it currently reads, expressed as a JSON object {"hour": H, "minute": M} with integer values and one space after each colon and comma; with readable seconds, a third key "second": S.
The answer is {"hour": 10, "minute": 39}
